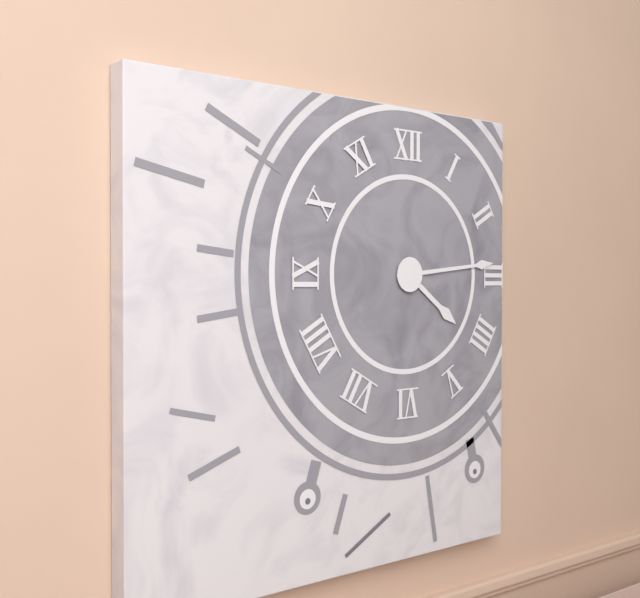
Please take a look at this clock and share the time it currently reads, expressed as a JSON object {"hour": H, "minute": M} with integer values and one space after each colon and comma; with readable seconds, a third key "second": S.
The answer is {"hour": 4, "minute": 14}
